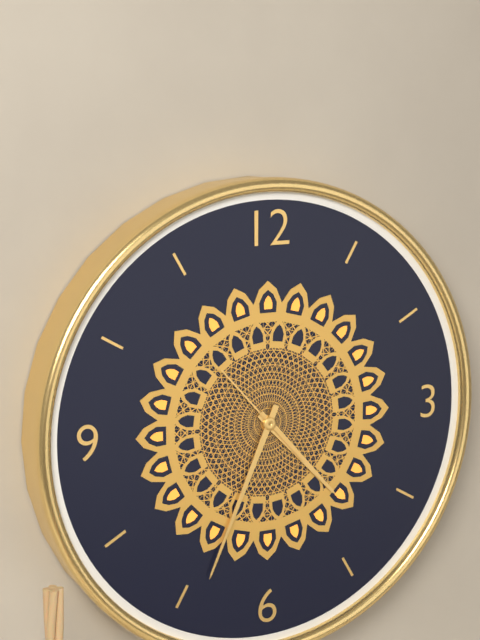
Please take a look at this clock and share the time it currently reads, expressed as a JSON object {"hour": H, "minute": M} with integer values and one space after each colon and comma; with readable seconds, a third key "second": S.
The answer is {"hour": 4, "minute": 34, "second": 53}
